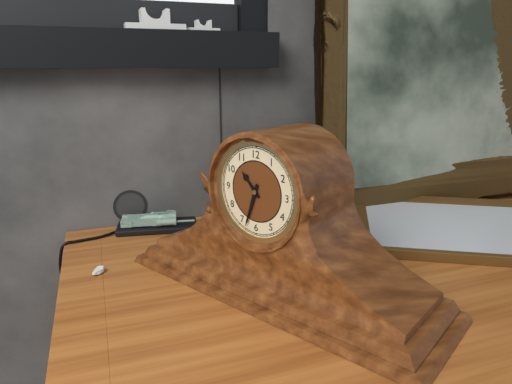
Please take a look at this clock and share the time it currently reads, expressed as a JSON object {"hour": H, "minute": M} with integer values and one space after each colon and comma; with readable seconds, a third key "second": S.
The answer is {"hour": 10, "minute": 33}
